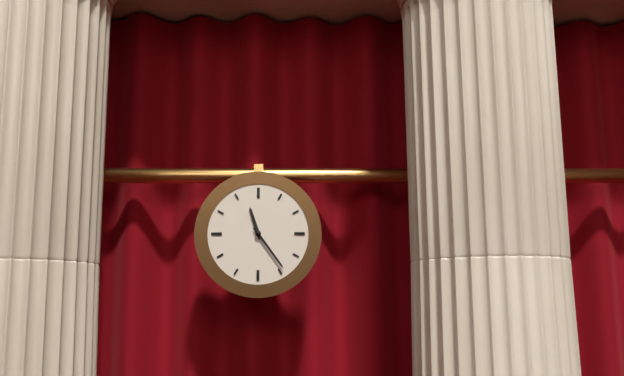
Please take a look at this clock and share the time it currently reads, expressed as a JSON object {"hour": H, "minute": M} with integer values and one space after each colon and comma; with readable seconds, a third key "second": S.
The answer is {"hour": 11, "minute": 24}
